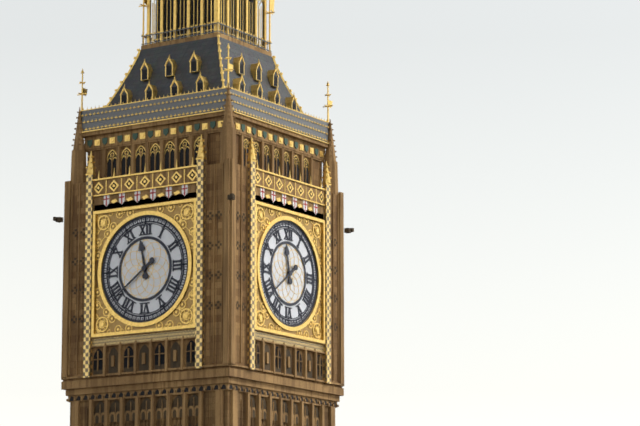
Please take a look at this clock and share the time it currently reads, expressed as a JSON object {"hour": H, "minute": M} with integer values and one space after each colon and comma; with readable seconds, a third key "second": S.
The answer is {"hour": 11, "minute": 39}
